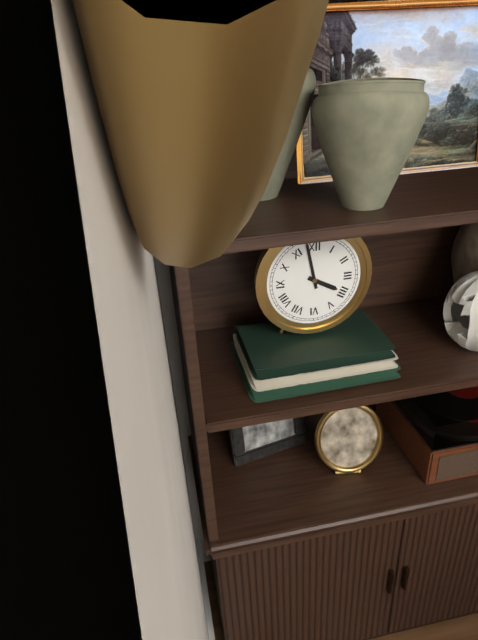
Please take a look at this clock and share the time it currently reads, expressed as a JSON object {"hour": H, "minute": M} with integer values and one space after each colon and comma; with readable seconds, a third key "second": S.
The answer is {"hour": 3, "minute": 58}
